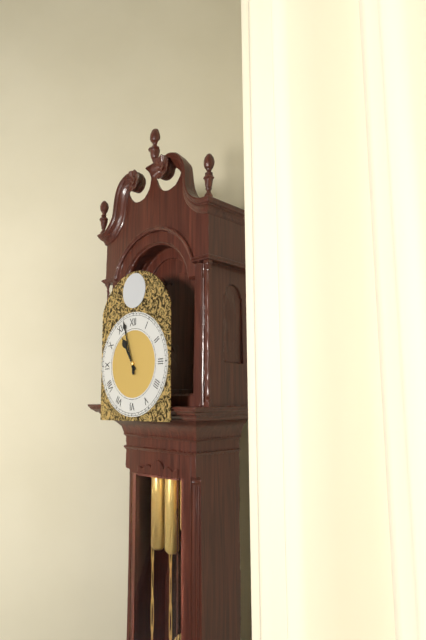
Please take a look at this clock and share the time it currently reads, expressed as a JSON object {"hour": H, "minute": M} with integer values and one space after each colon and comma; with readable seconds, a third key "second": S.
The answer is {"hour": 10, "minute": 57}
